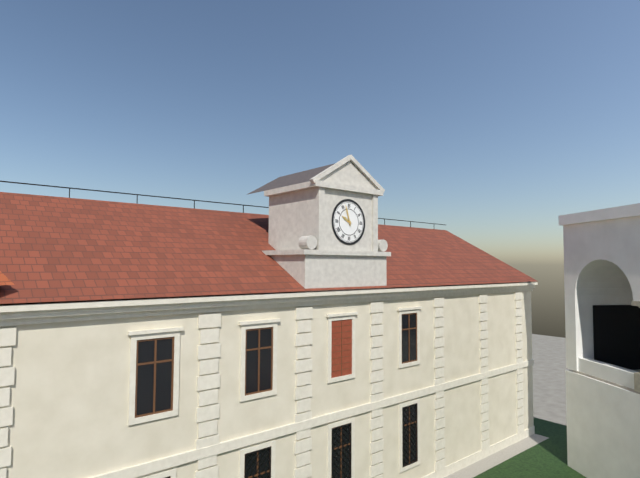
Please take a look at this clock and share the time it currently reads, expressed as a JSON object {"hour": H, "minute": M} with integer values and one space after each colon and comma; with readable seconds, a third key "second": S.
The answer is {"hour": 9, "minute": 57}
